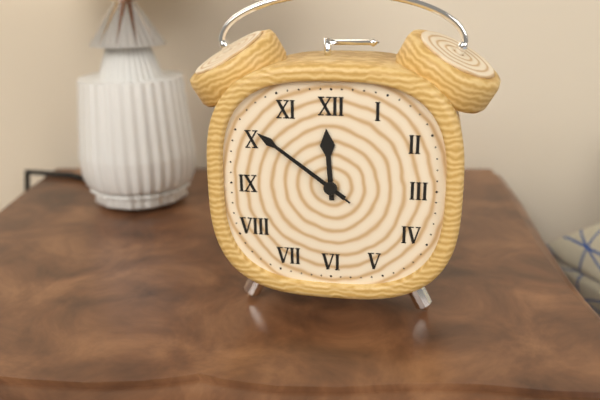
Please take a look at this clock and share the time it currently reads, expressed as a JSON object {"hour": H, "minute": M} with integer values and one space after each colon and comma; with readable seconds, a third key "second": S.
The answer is {"hour": 11, "minute": 51, "second": 51}
